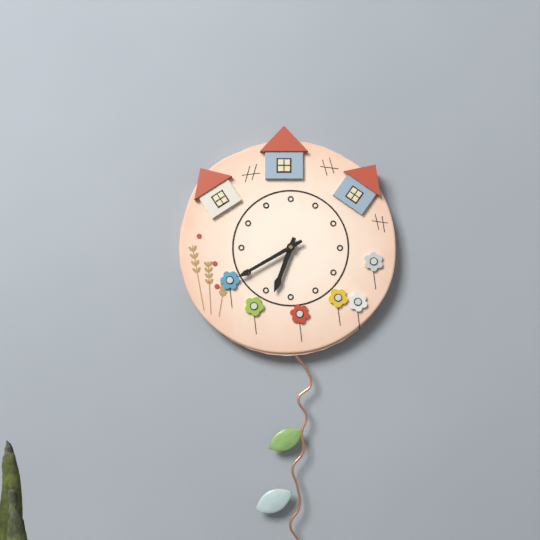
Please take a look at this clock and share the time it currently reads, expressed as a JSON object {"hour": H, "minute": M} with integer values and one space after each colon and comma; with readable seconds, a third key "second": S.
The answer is {"hour": 6, "minute": 40}
